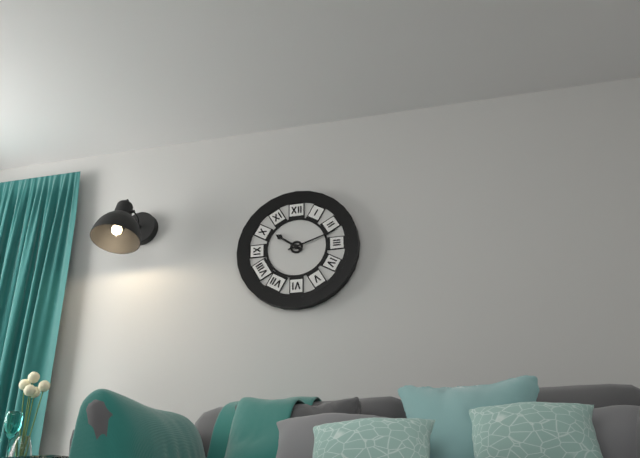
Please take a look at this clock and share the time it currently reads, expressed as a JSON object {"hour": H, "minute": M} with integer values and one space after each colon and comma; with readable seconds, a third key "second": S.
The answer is {"hour": 10, "minute": 12}
